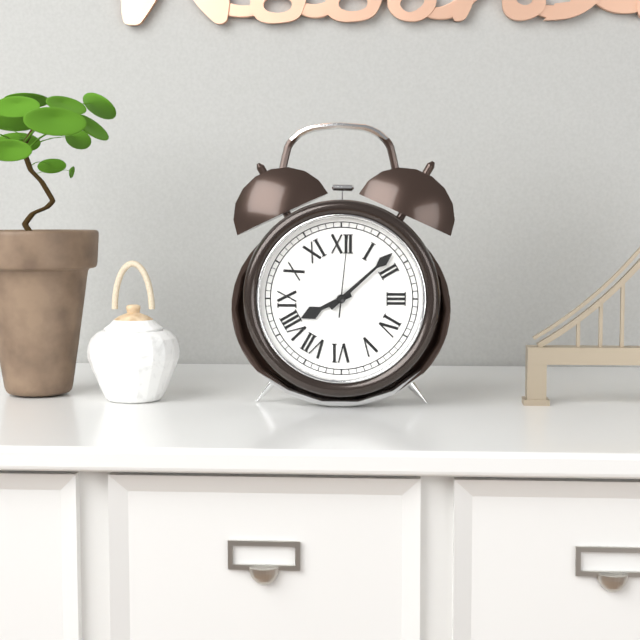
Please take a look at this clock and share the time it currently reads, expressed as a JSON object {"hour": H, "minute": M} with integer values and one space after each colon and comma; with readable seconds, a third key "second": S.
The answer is {"hour": 8, "minute": 8, "second": 1}
